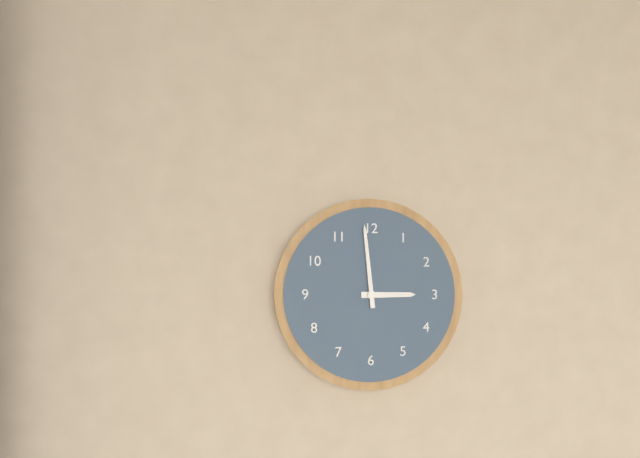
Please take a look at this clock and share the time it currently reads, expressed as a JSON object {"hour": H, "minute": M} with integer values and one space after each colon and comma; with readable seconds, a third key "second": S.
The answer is {"hour": 2, "minute": 59}
